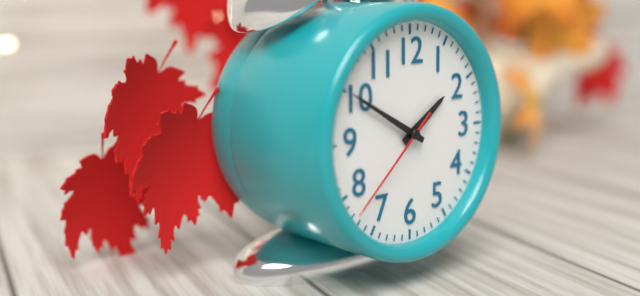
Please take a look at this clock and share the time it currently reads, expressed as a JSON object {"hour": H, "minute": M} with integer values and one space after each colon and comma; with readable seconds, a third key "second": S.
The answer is {"hour": 1, "minute": 50, "second": 38}
